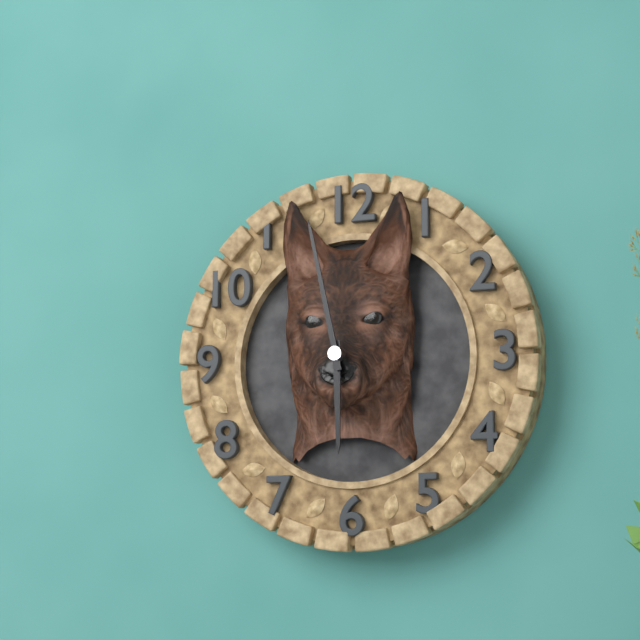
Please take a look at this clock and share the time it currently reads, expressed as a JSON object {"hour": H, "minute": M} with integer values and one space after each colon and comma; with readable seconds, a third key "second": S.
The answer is {"hour": 5, "minute": 58}
